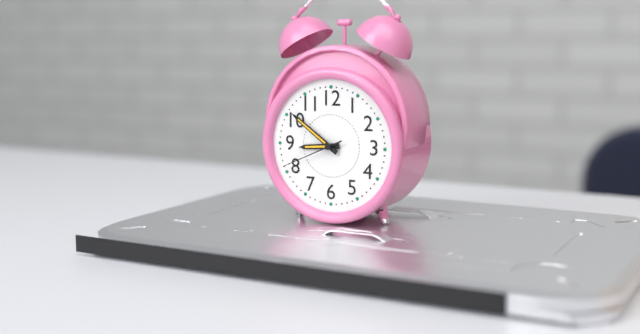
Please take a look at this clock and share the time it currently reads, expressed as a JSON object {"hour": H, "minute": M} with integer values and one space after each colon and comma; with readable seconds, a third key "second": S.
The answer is {"hour": 8, "minute": 51, "second": 41}
